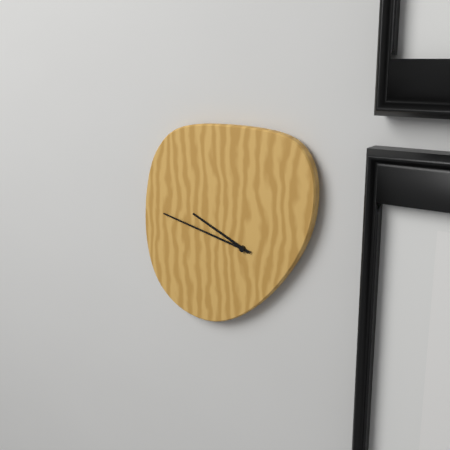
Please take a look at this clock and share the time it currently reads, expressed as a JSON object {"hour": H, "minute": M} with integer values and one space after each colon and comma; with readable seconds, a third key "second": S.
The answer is {"hour": 9, "minute": 47}
